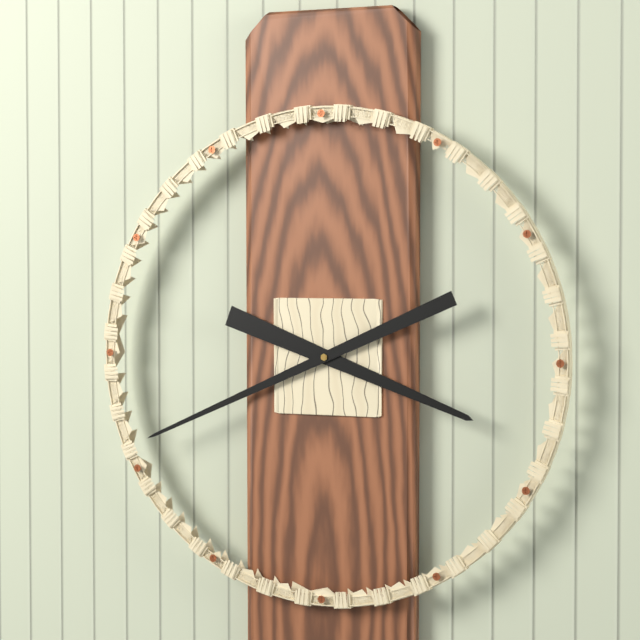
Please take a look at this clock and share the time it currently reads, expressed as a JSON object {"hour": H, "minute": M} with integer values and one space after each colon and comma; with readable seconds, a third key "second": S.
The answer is {"hour": 3, "minute": 41}
